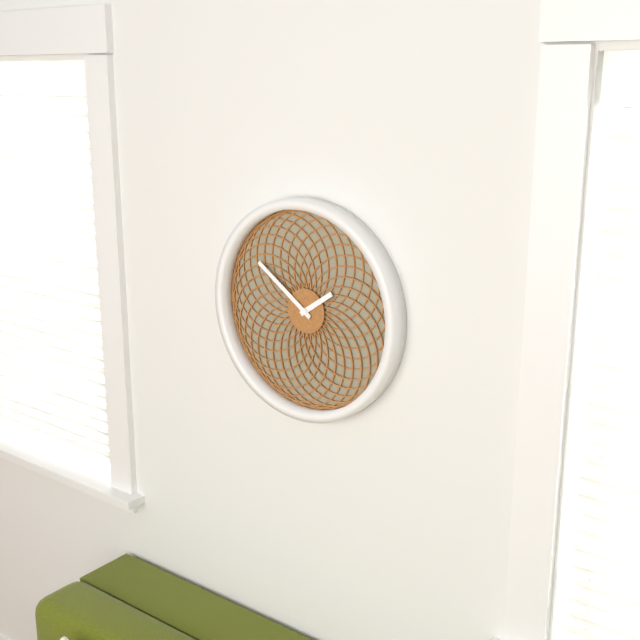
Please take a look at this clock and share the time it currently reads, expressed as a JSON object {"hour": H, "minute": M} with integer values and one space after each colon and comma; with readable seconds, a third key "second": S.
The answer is {"hour": 1, "minute": 51}
